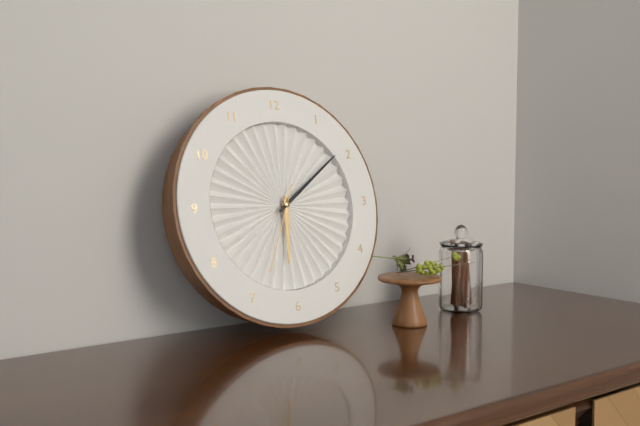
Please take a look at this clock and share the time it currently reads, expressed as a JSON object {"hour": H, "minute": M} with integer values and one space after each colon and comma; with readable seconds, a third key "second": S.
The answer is {"hour": 6, "minute": 9, "second": 34}
